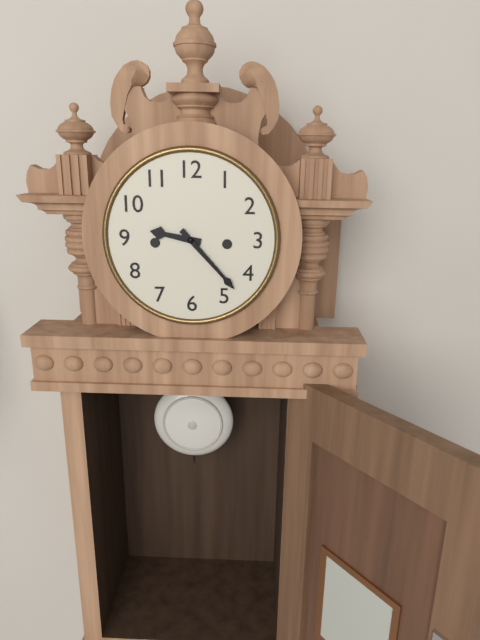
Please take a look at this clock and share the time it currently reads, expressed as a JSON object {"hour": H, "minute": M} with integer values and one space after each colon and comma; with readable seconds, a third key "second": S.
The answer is {"hour": 9, "minute": 23}
